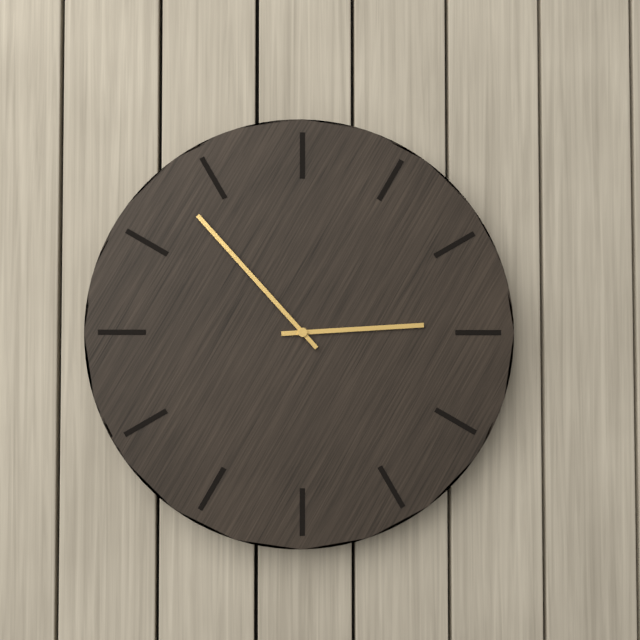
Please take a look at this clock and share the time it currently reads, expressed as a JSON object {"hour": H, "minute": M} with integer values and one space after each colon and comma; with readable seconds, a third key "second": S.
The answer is {"hour": 2, "minute": 53}
